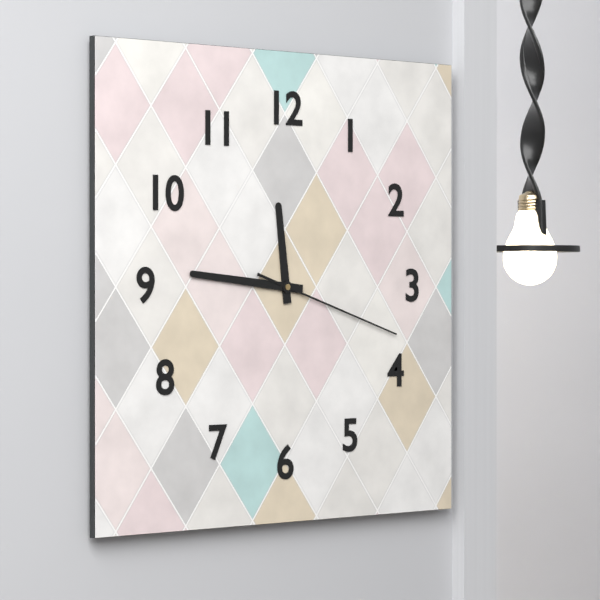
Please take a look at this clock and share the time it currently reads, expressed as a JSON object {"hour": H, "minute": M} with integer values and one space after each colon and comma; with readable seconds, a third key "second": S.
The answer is {"hour": 11, "minute": 46, "second": 18}
